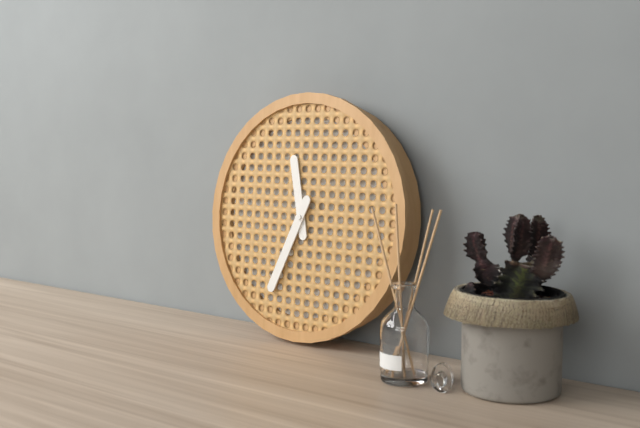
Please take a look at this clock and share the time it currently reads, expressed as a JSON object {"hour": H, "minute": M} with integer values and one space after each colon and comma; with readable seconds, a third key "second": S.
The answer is {"hour": 11, "minute": 34}
